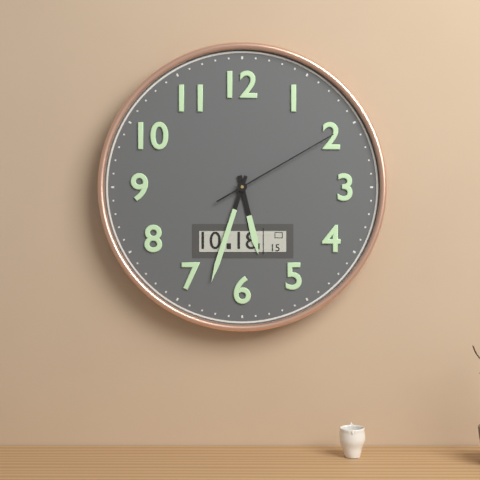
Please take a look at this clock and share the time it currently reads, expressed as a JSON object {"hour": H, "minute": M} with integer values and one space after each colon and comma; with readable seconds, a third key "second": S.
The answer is {"hour": 5, "minute": 33, "second": 10}
